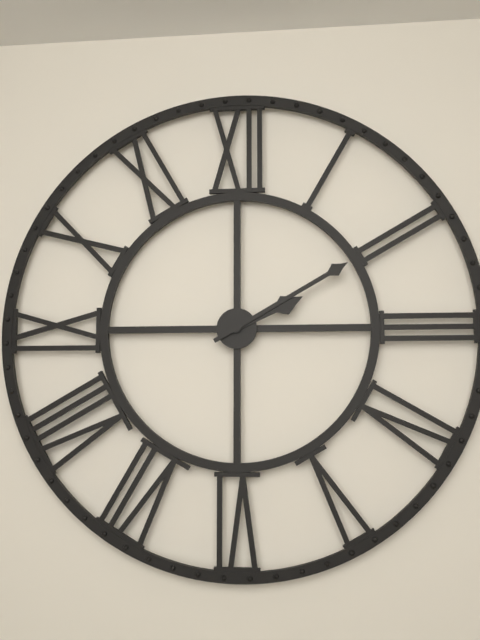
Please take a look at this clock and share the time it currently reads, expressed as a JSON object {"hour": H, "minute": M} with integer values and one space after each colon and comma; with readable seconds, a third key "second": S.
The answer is {"hour": 2, "minute": 10}
